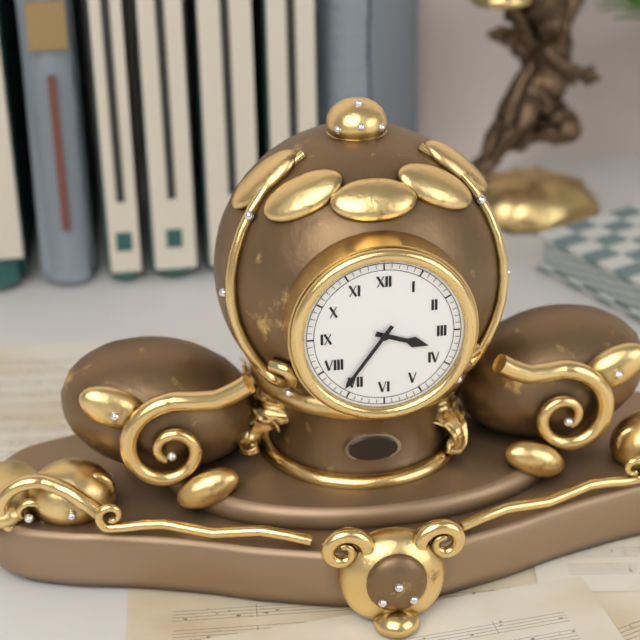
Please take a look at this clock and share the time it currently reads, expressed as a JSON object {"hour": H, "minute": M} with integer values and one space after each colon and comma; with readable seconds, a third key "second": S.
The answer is {"hour": 3, "minute": 36}
